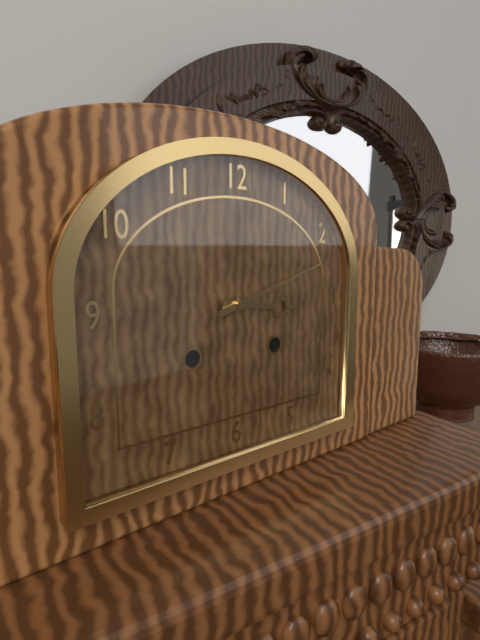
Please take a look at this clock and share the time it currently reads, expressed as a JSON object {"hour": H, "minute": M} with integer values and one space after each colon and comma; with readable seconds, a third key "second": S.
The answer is {"hour": 3, "minute": 12}
